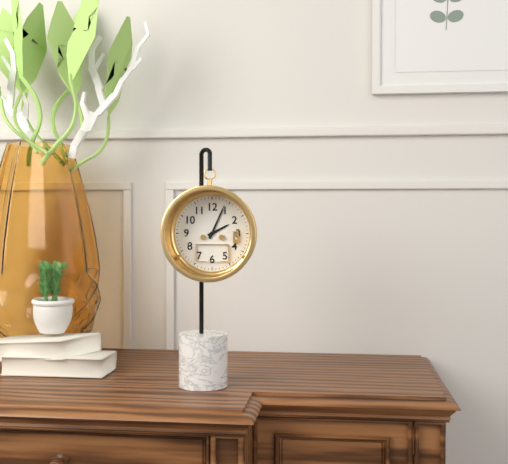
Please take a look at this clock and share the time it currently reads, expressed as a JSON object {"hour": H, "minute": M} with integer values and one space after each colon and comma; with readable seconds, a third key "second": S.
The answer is {"hour": 2, "minute": 4}
